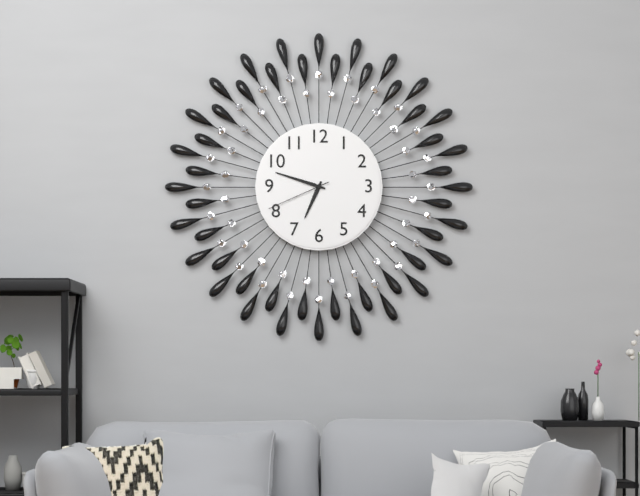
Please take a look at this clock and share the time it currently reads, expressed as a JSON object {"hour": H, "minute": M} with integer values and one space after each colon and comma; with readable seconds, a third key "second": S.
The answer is {"hour": 6, "minute": 48, "second": 41}
